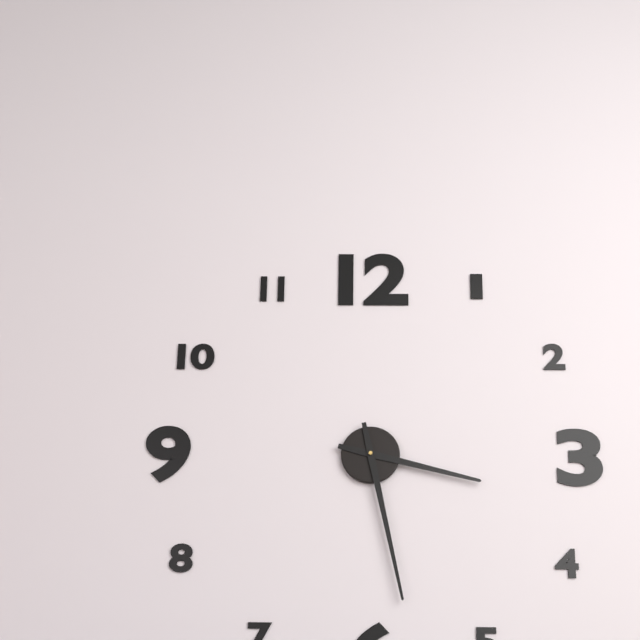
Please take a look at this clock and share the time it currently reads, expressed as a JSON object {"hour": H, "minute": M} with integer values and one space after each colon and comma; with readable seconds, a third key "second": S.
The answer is {"hour": 3, "minute": 28}
